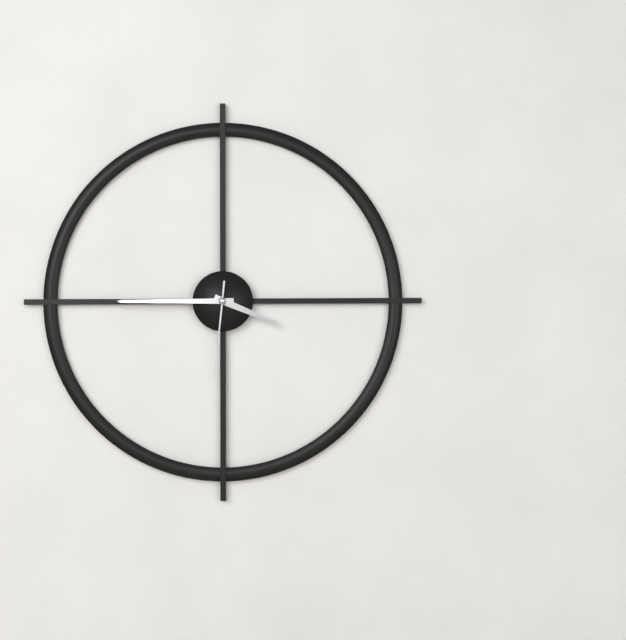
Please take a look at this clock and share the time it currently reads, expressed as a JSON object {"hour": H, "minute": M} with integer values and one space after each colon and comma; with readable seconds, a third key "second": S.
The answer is {"hour": 3, "minute": 45, "second": 31}
